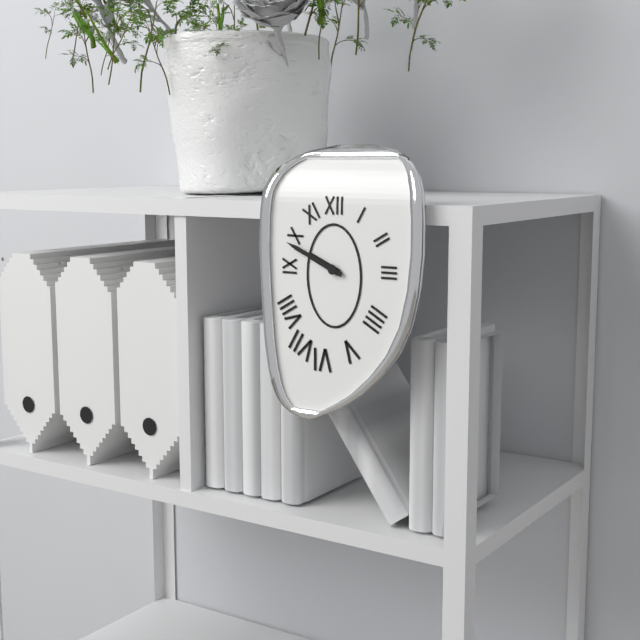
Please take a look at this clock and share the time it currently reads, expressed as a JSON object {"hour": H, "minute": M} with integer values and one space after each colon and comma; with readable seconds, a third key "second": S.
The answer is {"hour": 9, "minute": 49}
